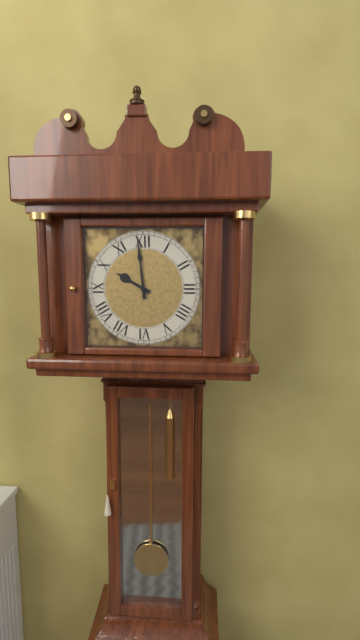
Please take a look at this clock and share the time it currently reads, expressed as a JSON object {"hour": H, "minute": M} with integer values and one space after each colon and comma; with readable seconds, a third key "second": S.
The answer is {"hour": 9, "minute": 59}
